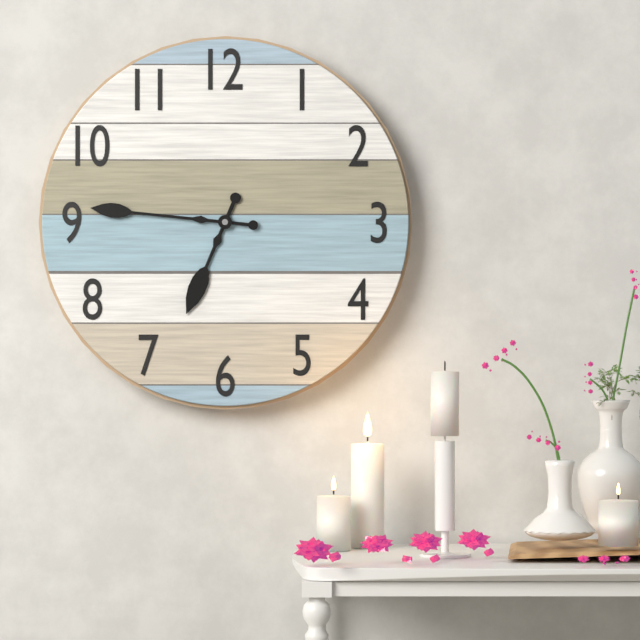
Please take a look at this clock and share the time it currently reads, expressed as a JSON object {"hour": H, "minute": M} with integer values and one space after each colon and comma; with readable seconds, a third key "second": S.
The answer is {"hour": 6, "minute": 46}
